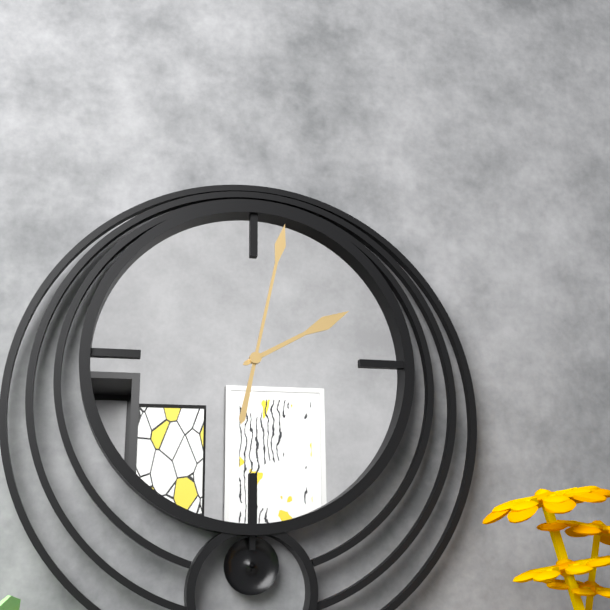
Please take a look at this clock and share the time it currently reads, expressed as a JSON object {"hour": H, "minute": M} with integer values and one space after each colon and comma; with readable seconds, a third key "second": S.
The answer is {"hour": 2, "minute": 2}
